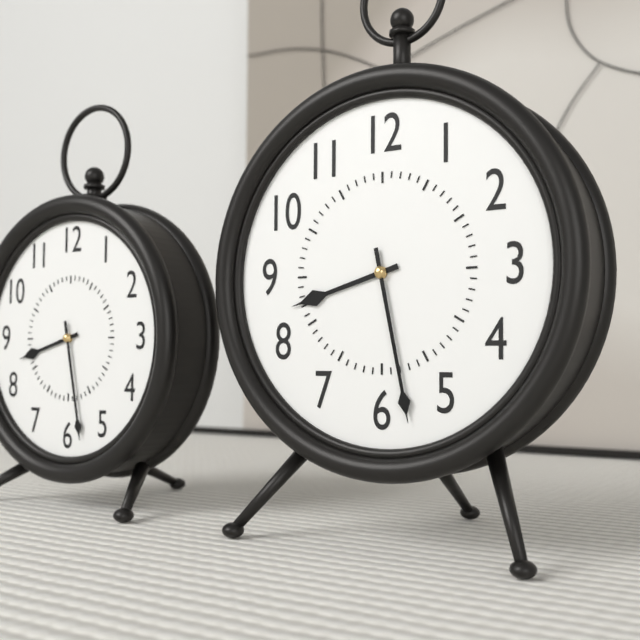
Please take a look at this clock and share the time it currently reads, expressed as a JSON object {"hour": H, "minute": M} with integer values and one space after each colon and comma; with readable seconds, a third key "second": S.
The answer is {"hour": 8, "minute": 28}
